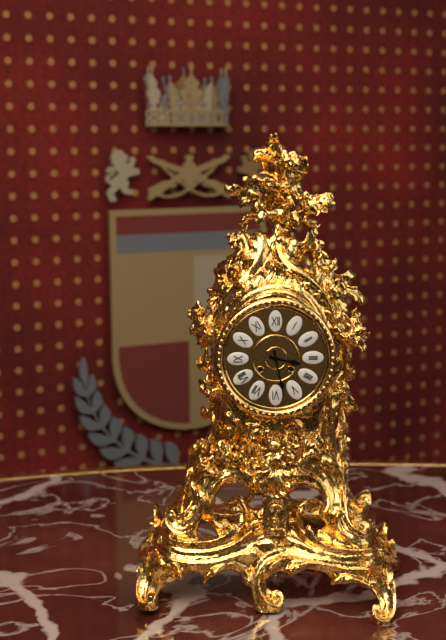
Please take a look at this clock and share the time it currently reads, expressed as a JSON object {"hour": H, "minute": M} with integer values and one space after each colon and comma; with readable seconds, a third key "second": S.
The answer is {"hour": 3, "minute": 28}
